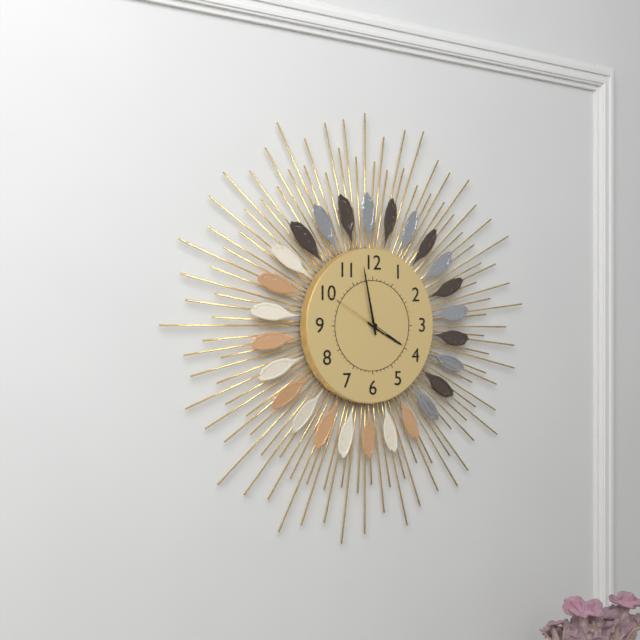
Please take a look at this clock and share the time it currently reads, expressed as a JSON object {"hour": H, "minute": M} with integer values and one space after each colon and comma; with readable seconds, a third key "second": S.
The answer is {"hour": 3, "minute": 58, "second": 50}
